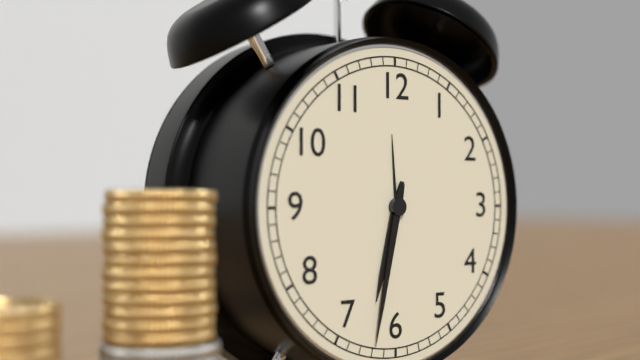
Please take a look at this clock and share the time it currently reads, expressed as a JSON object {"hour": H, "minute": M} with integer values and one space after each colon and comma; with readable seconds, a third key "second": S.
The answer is {"hour": 6, "minute": 32}
